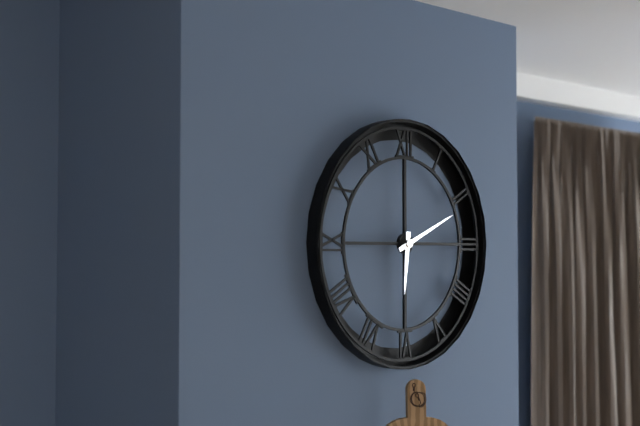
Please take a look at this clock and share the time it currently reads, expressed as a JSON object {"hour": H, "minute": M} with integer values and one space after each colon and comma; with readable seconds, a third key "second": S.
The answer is {"hour": 6, "minute": 11}
